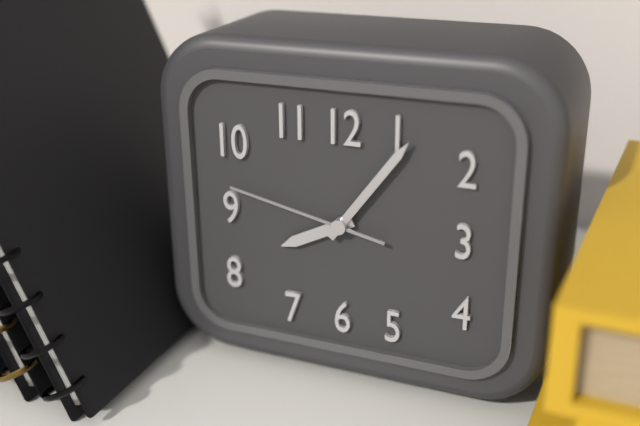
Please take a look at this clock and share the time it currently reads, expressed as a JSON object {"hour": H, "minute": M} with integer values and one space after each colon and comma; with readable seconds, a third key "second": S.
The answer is {"hour": 8, "minute": 6, "second": 47}
